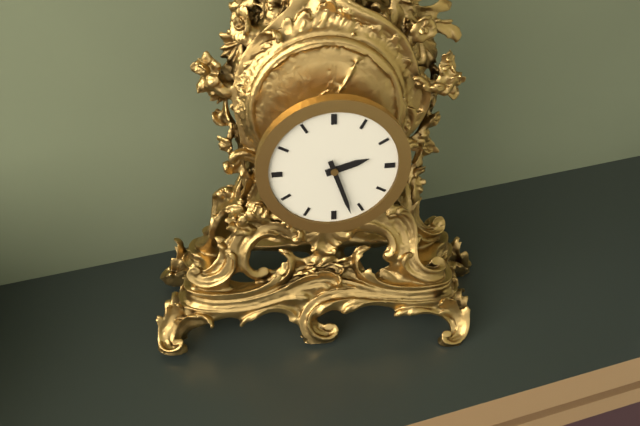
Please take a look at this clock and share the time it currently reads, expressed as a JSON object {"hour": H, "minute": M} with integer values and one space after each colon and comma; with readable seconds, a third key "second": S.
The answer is {"hour": 2, "minute": 27}
